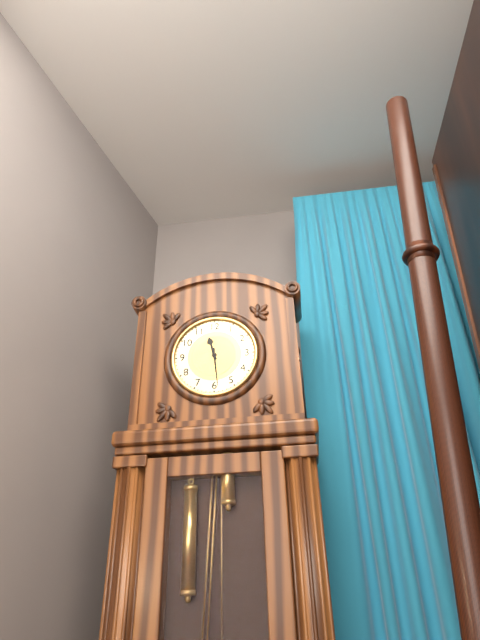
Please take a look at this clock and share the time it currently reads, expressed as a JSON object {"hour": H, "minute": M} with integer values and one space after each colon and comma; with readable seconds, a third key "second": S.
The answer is {"hour": 11, "minute": 29}
